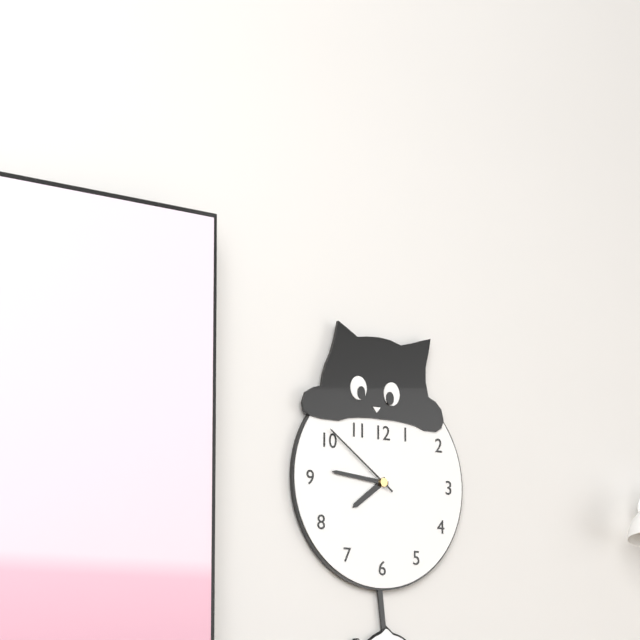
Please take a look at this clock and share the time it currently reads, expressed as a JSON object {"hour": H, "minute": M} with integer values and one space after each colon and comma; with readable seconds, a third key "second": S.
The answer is {"hour": 7, "minute": 46, "second": 51}
